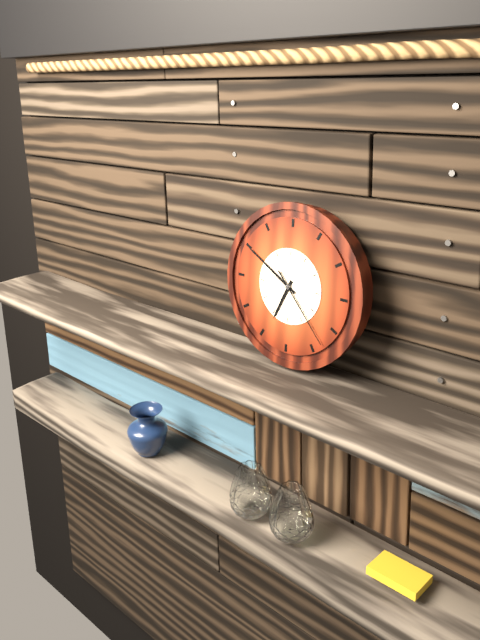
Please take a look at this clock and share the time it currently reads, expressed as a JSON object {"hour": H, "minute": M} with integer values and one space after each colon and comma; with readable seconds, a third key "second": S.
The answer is {"hour": 6, "minute": 50, "second": 23}
